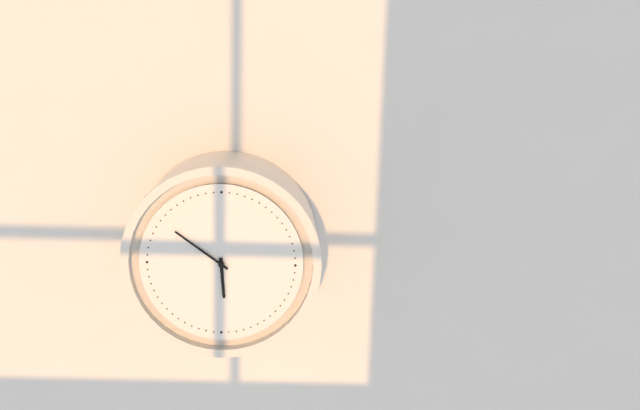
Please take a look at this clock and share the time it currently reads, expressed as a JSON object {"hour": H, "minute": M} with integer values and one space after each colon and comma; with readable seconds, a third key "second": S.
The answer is {"hour": 5, "minute": 51}
